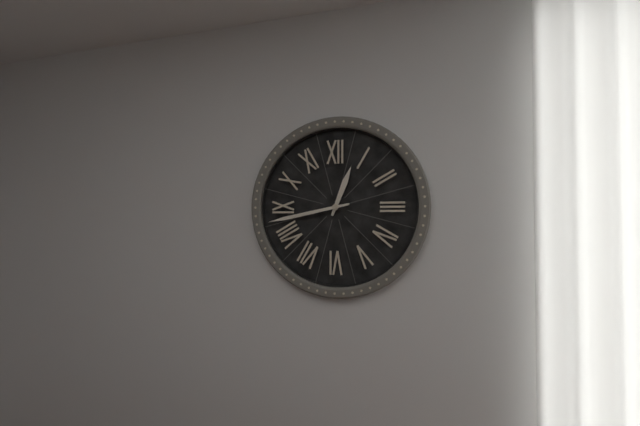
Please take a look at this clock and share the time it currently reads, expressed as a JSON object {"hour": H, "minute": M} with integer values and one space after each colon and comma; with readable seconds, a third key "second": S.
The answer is {"hour": 12, "minute": 43}
